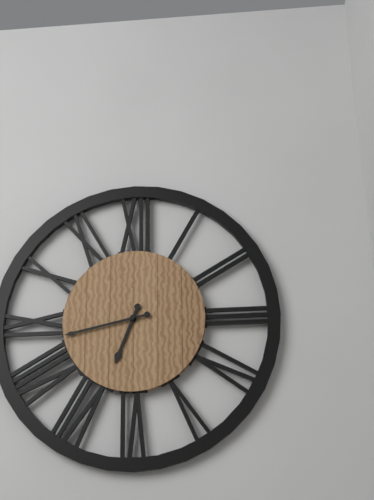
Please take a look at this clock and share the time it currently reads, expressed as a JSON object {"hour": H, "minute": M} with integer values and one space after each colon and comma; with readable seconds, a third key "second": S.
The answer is {"hour": 6, "minute": 43}
